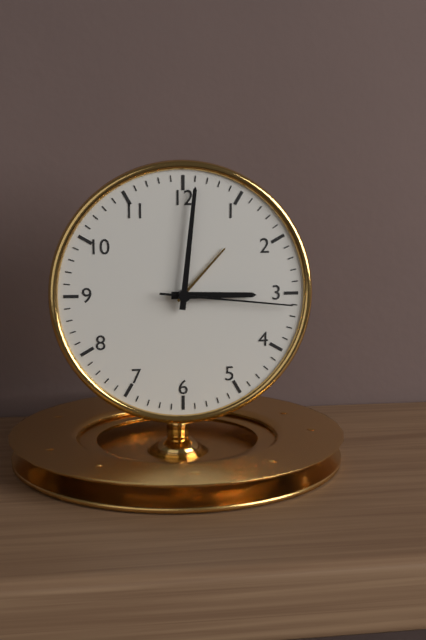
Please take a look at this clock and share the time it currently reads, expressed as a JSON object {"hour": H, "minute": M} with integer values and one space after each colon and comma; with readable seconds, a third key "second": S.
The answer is {"hour": 3, "minute": 1, "second": 16}
